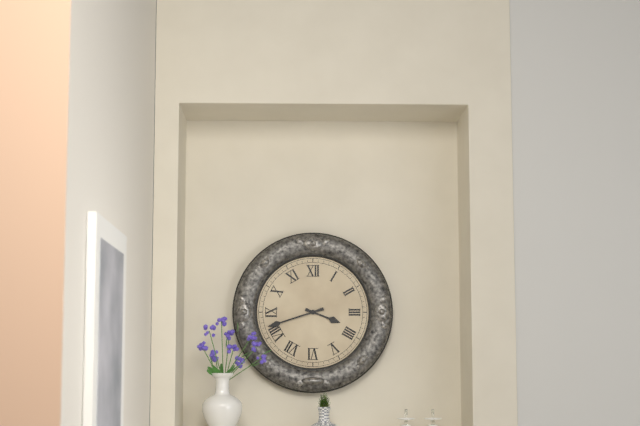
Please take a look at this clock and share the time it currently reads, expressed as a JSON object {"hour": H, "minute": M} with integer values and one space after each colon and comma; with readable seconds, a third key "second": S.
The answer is {"hour": 3, "minute": 42}
